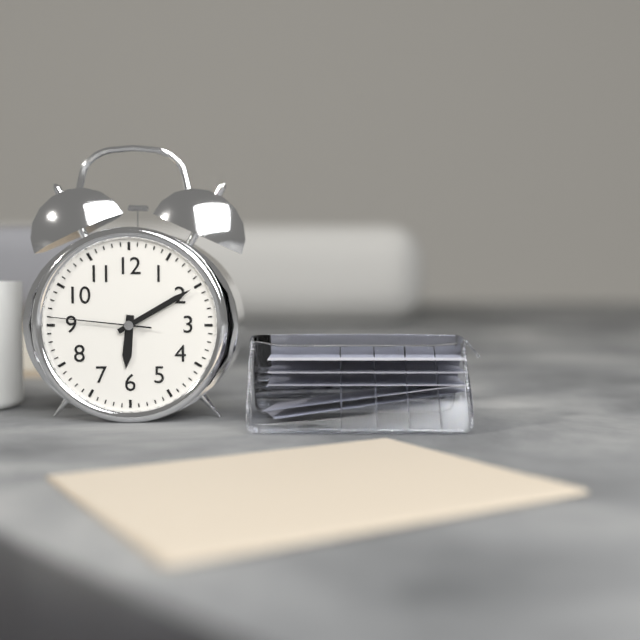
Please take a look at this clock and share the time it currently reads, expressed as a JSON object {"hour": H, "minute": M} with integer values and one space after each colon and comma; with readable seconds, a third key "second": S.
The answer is {"hour": 6, "minute": 10, "second": 46}
